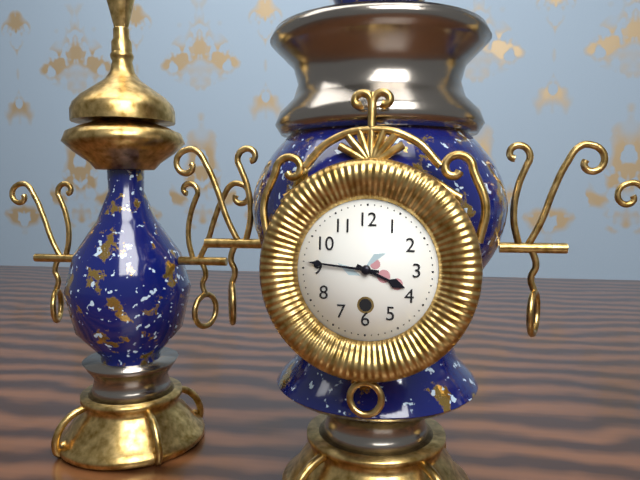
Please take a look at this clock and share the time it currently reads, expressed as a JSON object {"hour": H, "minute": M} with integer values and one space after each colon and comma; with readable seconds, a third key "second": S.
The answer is {"hour": 3, "minute": 46}
